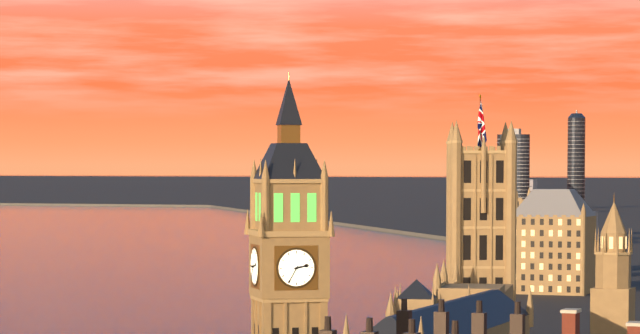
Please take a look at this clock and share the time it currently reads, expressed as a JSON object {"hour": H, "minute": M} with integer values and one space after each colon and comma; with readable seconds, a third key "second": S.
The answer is {"hour": 2, "minute": 35}
